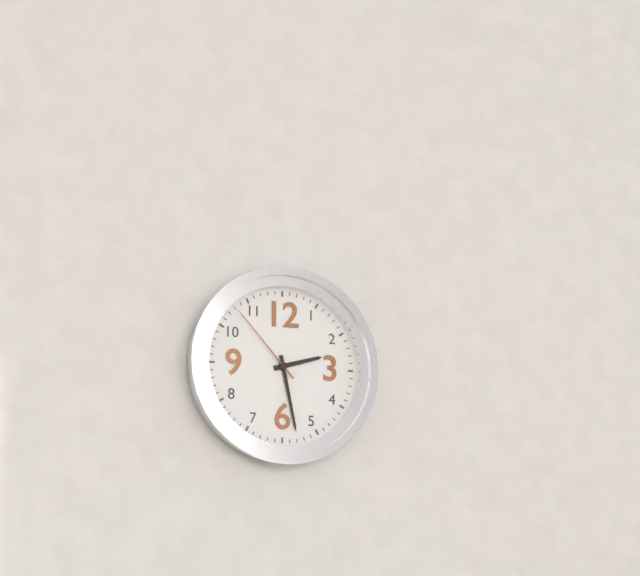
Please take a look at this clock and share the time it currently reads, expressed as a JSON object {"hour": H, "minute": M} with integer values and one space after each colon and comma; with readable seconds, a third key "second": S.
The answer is {"hour": 2, "minute": 28, "second": 53}
